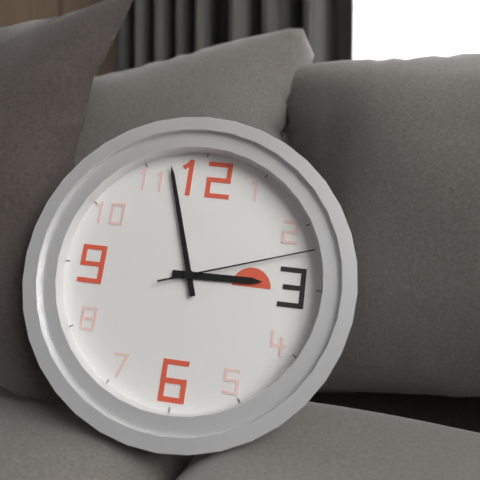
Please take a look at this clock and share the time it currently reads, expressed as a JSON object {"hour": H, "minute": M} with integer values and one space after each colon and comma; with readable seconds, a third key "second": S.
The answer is {"hour": 2, "minute": 57, "second": 12}
